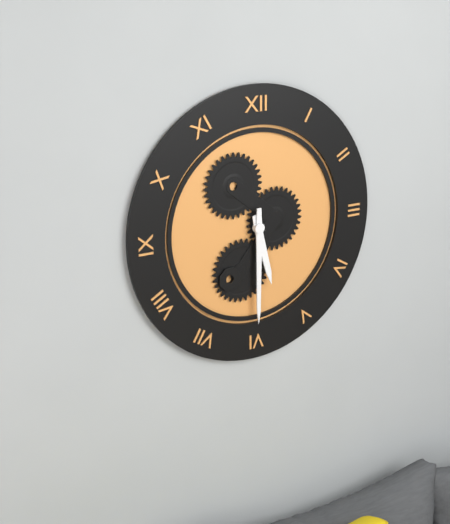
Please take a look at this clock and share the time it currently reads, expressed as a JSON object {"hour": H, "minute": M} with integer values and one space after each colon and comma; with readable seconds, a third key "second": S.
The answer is {"hour": 5, "minute": 30}
